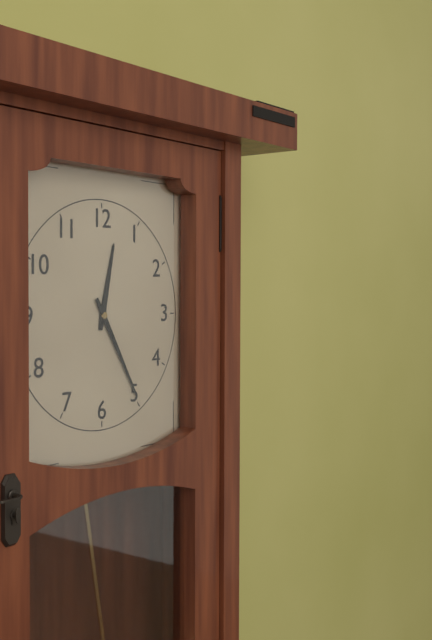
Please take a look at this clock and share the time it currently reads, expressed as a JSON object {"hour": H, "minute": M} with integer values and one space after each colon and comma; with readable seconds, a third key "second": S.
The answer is {"hour": 12, "minute": 25}
